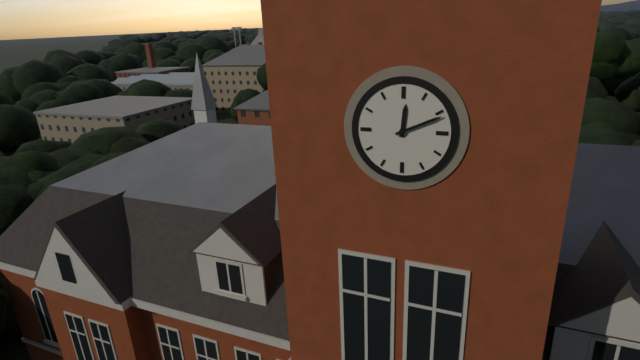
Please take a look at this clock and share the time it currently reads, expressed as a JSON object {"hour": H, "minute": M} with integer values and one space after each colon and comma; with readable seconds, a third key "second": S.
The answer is {"hour": 12, "minute": 11}
